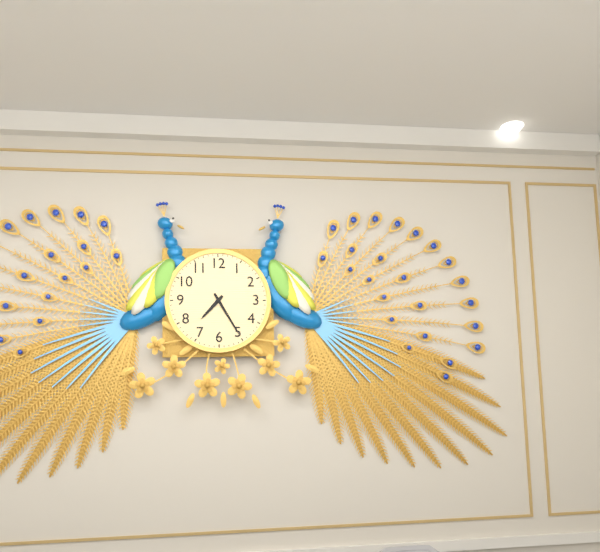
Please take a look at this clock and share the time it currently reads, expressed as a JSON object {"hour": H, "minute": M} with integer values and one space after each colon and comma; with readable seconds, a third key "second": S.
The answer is {"hour": 7, "minute": 25}
